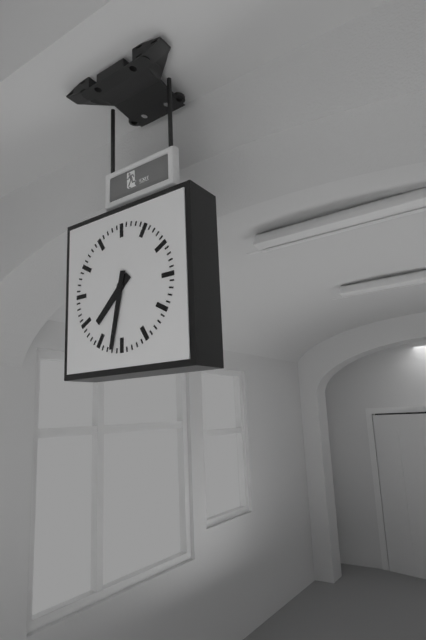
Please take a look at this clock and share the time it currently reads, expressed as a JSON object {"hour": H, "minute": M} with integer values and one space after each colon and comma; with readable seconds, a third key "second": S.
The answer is {"hour": 7, "minute": 32}
